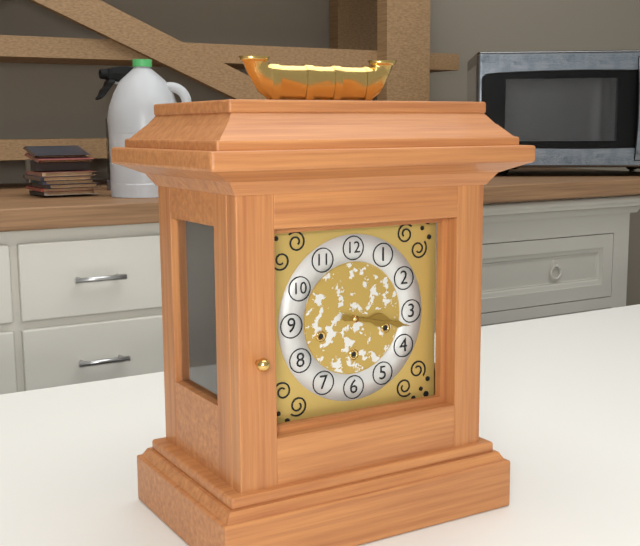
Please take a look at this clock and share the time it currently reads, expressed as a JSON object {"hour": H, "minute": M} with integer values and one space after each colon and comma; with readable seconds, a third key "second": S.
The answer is {"hour": 3, "minute": 17}
